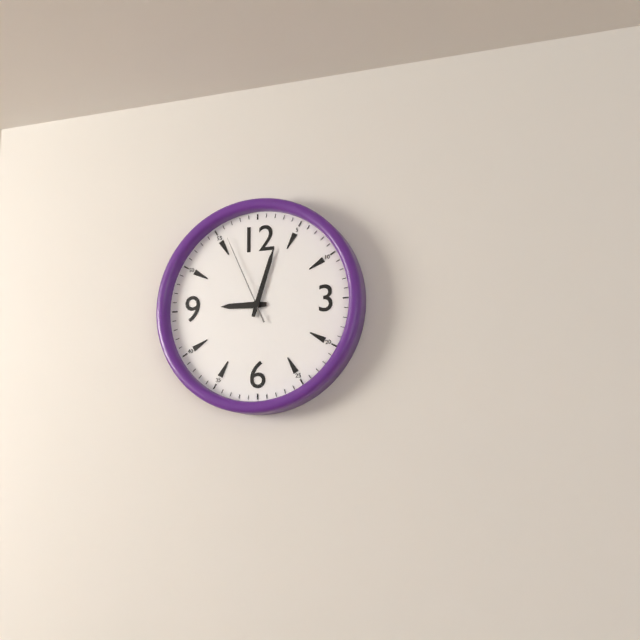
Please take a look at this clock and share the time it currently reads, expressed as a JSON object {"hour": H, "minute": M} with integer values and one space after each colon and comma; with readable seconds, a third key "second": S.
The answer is {"hour": 9, "minute": 3, "second": 56}
